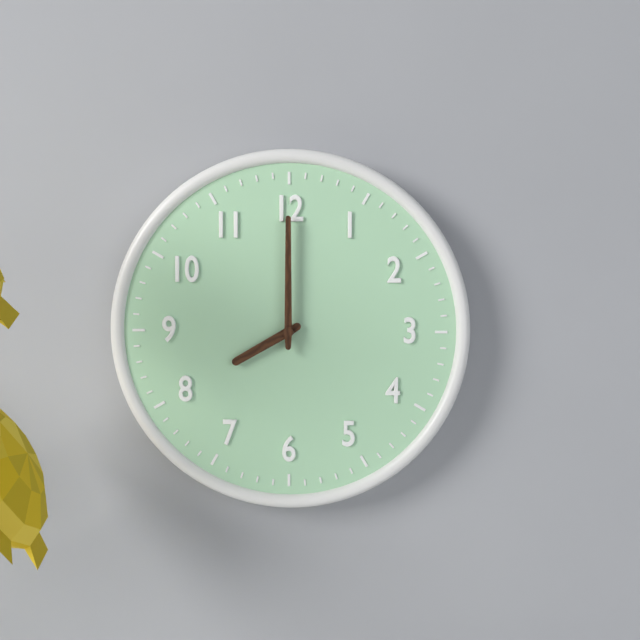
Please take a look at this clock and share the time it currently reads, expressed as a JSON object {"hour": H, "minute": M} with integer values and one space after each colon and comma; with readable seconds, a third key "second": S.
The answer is {"hour": 8, "minute": 0}
